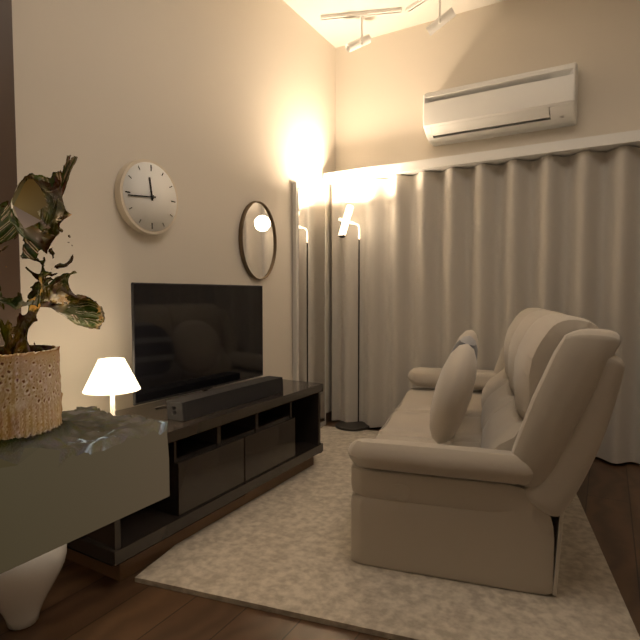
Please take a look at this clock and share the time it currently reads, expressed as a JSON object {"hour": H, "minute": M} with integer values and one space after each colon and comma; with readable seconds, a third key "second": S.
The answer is {"hour": 11, "minute": 44}
